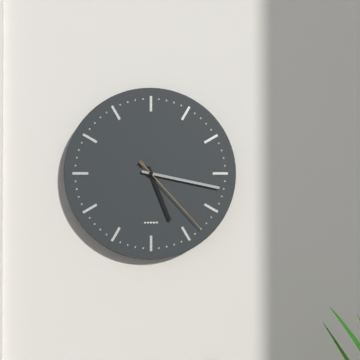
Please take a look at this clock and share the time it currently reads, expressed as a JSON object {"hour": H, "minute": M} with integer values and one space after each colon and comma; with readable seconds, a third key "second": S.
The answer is {"hour": 5, "minute": 17, "second": 23}
